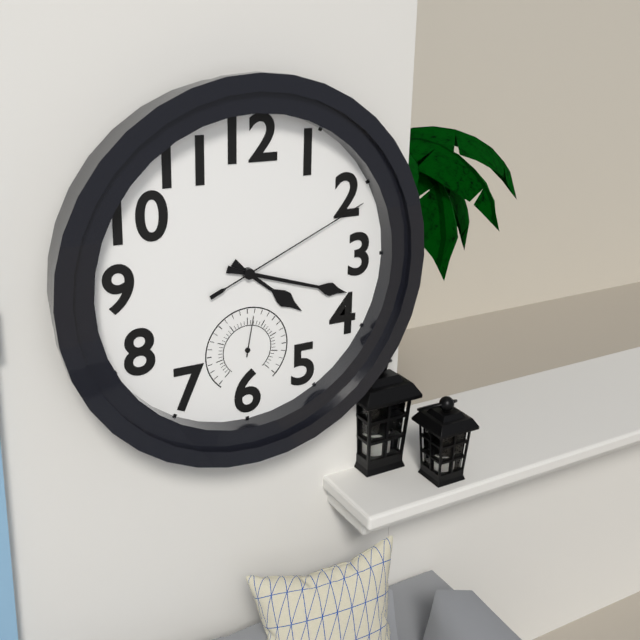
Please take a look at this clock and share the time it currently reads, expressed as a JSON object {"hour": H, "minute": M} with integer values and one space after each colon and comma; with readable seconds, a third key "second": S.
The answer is {"hour": 4, "minute": 18, "second": 11}
